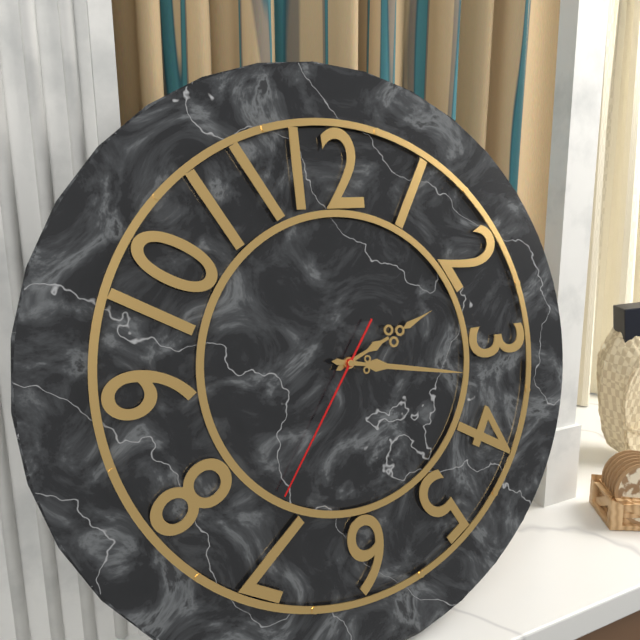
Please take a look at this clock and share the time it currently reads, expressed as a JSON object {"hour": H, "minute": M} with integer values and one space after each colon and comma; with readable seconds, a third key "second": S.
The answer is {"hour": 2, "minute": 17, "second": 36}
